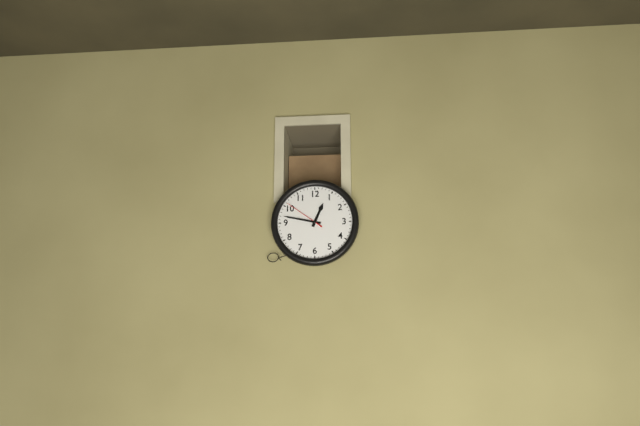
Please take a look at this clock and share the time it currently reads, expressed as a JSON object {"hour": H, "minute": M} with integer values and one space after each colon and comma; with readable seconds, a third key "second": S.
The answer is {"hour": 12, "minute": 47}
